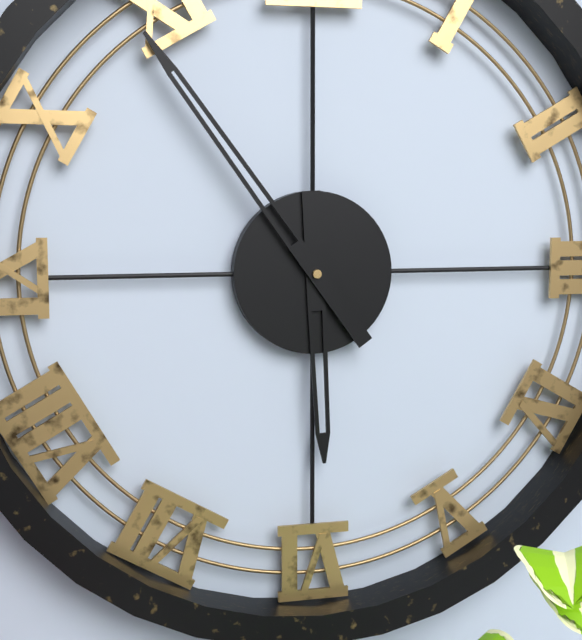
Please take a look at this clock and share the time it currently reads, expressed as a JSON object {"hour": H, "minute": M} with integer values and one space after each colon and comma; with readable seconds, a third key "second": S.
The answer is {"hour": 5, "minute": 54}
